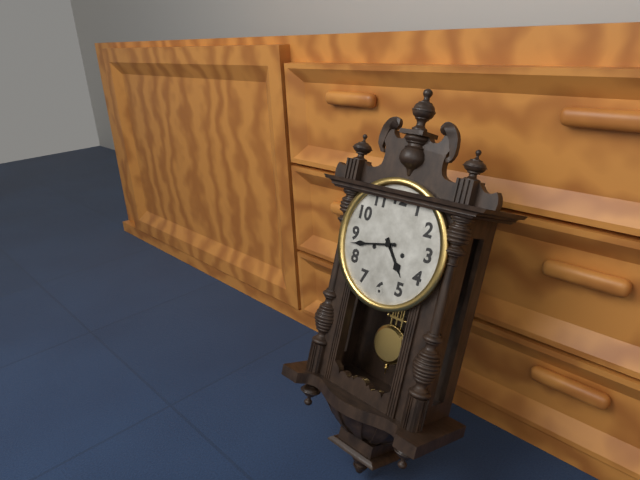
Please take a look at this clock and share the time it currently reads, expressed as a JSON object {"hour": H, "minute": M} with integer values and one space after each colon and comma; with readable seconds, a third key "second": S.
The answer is {"hour": 4, "minute": 43}
